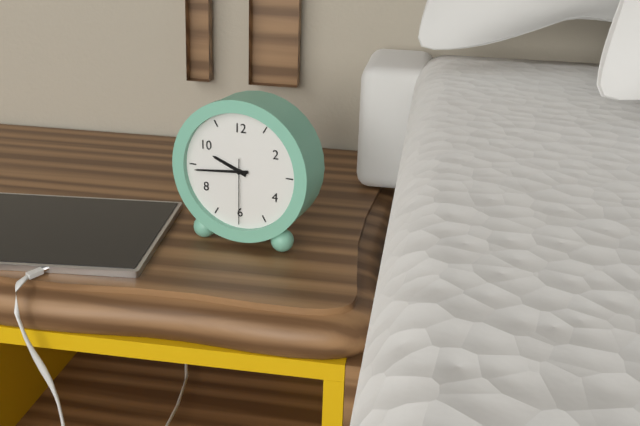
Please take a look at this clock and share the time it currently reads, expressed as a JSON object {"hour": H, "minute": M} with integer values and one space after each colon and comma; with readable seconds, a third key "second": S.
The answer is {"hour": 9, "minute": 44, "second": 30}
